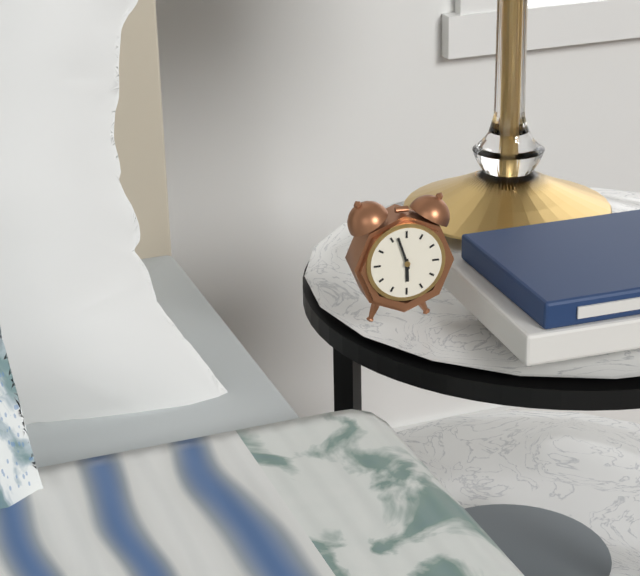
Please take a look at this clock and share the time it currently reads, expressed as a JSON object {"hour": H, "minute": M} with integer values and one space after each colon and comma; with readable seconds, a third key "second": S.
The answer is {"hour": 5, "minute": 57}
